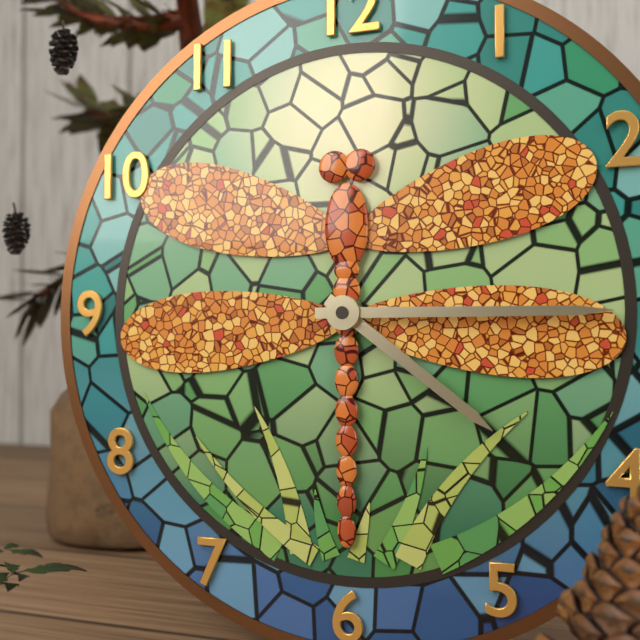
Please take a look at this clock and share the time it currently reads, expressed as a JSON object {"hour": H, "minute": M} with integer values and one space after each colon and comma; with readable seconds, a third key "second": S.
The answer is {"hour": 4, "minute": 15}
